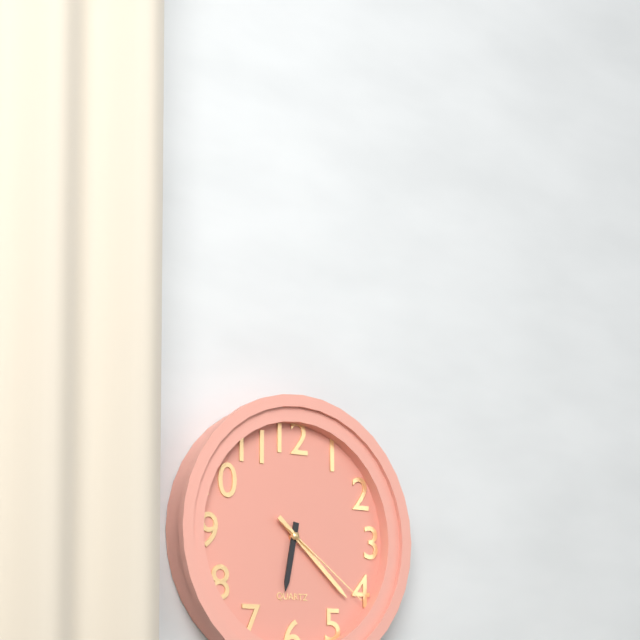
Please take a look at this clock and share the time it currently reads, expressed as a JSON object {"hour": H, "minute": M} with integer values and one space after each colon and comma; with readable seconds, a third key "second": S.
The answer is {"hour": 6, "minute": 22, "second": 21}
